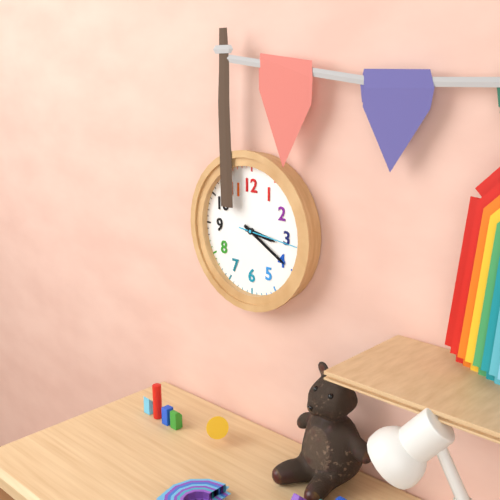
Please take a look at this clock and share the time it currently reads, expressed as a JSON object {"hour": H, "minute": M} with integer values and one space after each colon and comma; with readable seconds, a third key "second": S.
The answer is {"hour": 3, "minute": 20, "second": 16}
